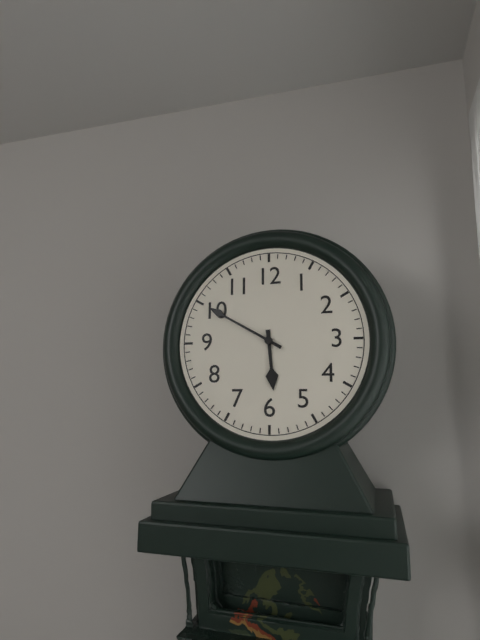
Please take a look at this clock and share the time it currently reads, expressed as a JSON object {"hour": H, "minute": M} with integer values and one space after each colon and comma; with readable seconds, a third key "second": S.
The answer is {"hour": 5, "minute": 50}
